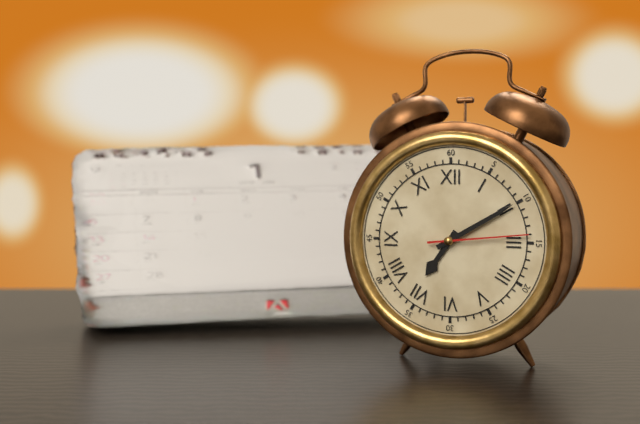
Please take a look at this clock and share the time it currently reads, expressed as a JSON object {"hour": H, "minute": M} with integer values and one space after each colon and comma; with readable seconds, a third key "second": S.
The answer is {"hour": 7, "minute": 10, "second": 14}
